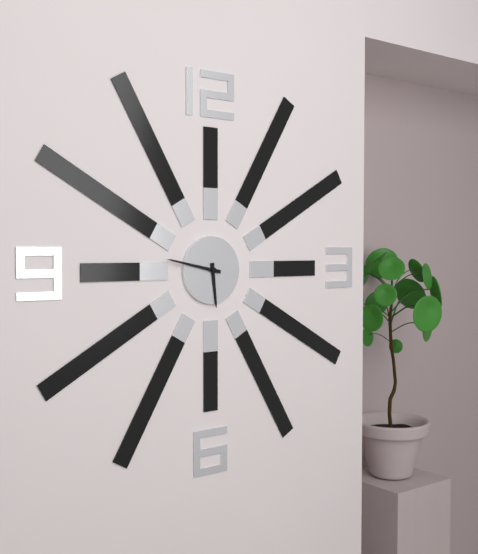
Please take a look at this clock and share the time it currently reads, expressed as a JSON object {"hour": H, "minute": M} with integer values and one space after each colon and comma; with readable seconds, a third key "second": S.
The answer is {"hour": 5, "minute": 47}
